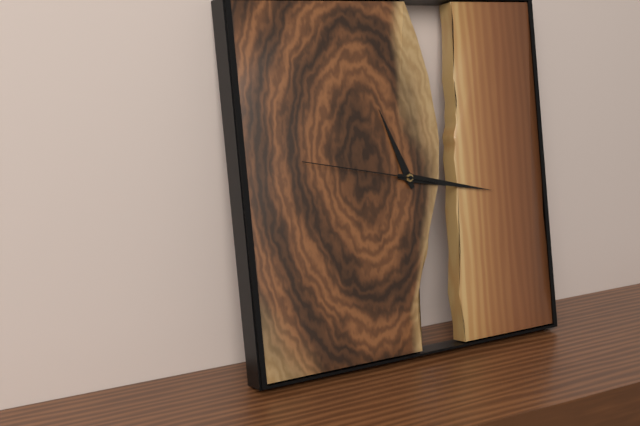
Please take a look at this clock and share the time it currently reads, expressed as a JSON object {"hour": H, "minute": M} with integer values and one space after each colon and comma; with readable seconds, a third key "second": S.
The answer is {"hour": 11, "minute": 17, "second": 47}
